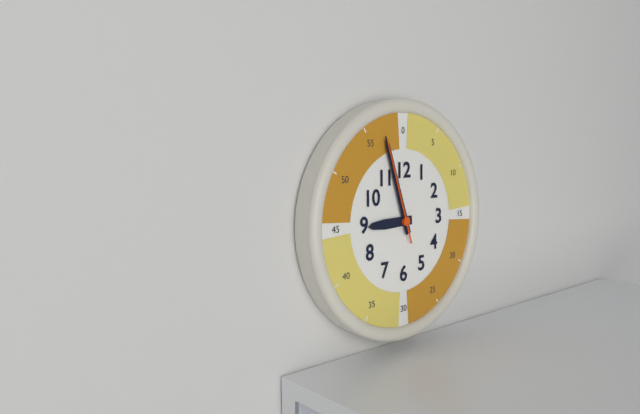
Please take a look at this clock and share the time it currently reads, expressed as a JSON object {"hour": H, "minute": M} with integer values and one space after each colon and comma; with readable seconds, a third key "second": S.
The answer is {"hour": 8, "minute": 57, "second": 57}
